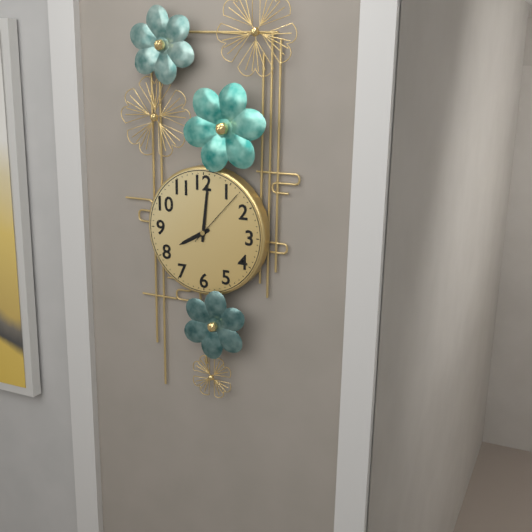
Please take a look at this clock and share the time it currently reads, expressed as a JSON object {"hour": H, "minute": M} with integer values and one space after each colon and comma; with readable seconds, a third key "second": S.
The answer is {"hour": 8, "minute": 1, "second": 7}
